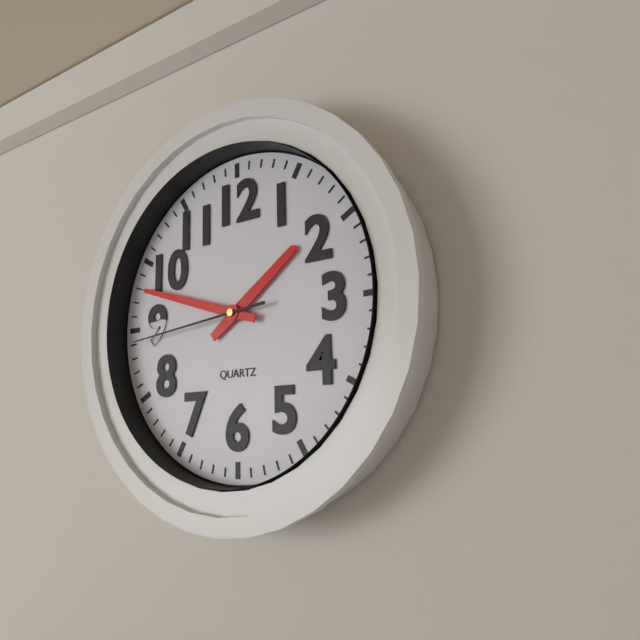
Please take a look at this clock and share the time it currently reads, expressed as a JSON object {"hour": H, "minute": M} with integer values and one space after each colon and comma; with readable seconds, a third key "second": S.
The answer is {"hour": 1, "minute": 48, "second": 44}
